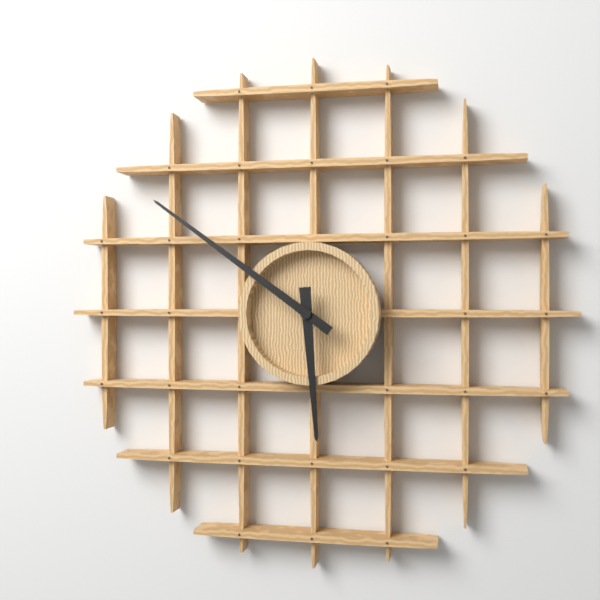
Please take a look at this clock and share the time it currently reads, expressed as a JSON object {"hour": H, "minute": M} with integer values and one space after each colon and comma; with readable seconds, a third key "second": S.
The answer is {"hour": 5, "minute": 51}
